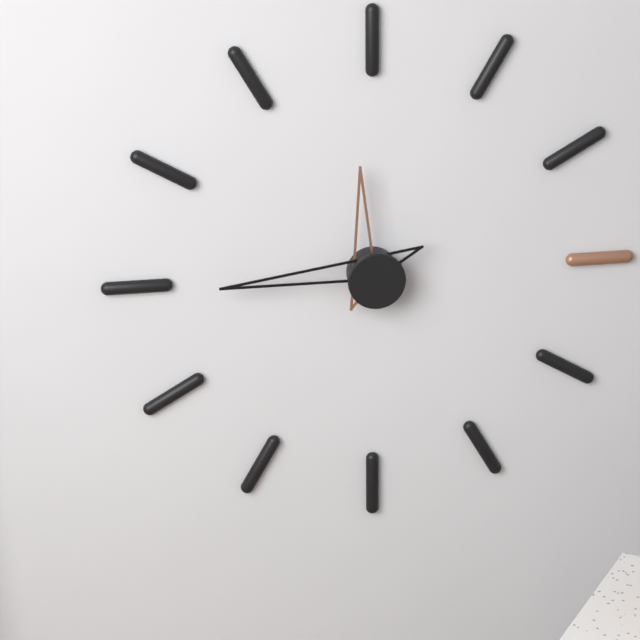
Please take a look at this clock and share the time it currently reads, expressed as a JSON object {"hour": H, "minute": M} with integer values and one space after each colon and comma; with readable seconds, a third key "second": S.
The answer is {"hour": 11, "minute": 45}
